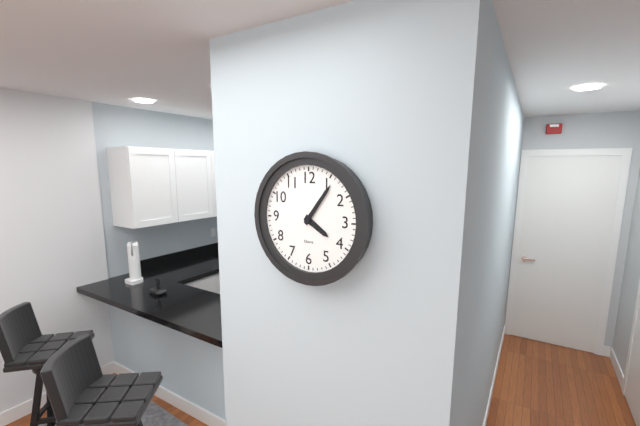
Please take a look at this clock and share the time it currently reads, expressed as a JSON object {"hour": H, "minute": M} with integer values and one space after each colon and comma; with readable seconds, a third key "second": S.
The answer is {"hour": 4, "minute": 6}
